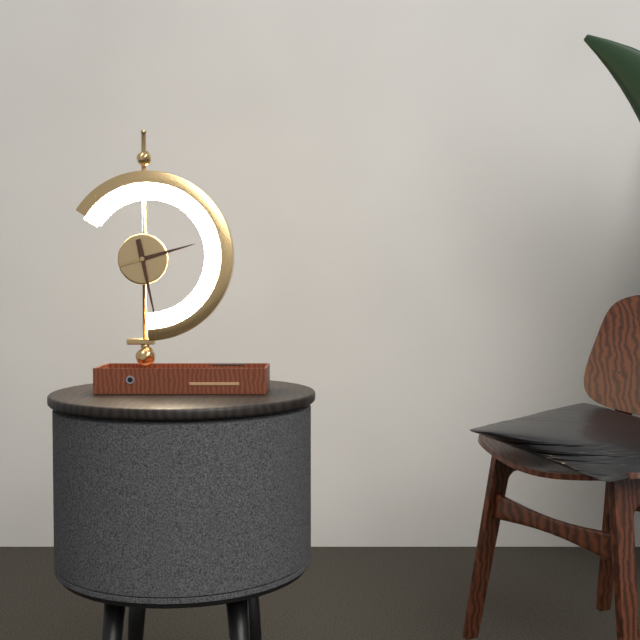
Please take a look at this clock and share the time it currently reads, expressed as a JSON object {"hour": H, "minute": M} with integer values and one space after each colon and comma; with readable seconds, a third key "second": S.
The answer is {"hour": 2, "minute": 28}
